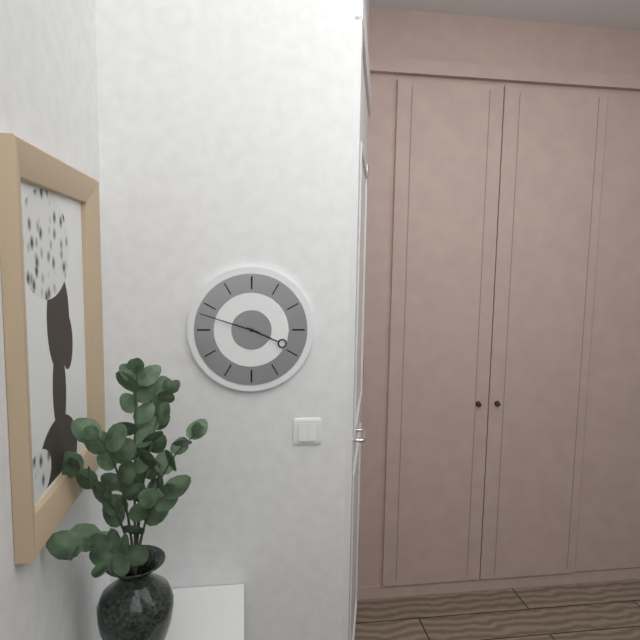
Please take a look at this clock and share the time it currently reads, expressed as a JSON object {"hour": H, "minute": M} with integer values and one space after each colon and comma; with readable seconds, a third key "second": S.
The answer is {"hour": 3, "minute": 48}
